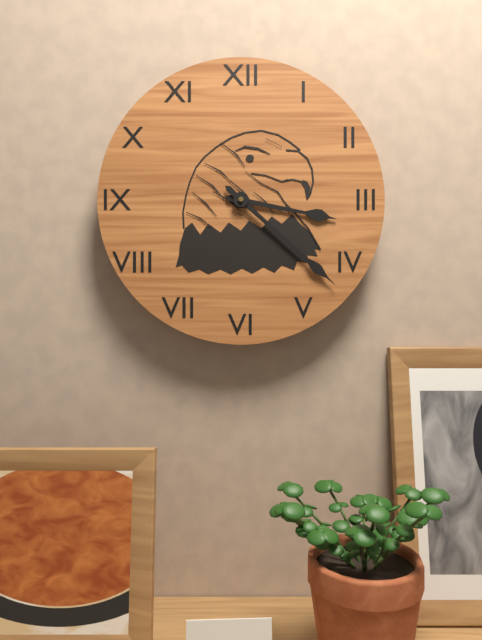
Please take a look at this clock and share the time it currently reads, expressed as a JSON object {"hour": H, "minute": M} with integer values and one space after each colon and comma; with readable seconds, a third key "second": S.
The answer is {"hour": 3, "minute": 22}
